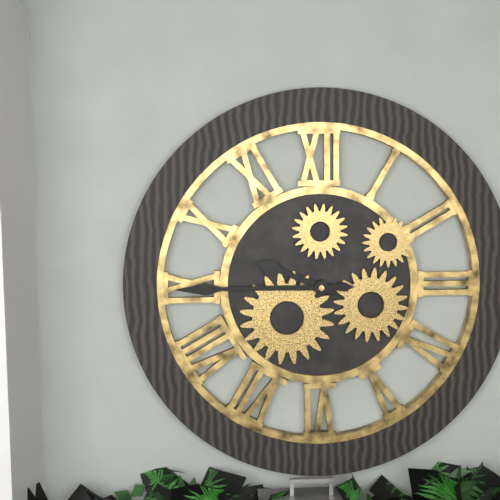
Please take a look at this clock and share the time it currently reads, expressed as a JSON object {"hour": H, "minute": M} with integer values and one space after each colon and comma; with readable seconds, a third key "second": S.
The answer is {"hour": 9, "minute": 45}
